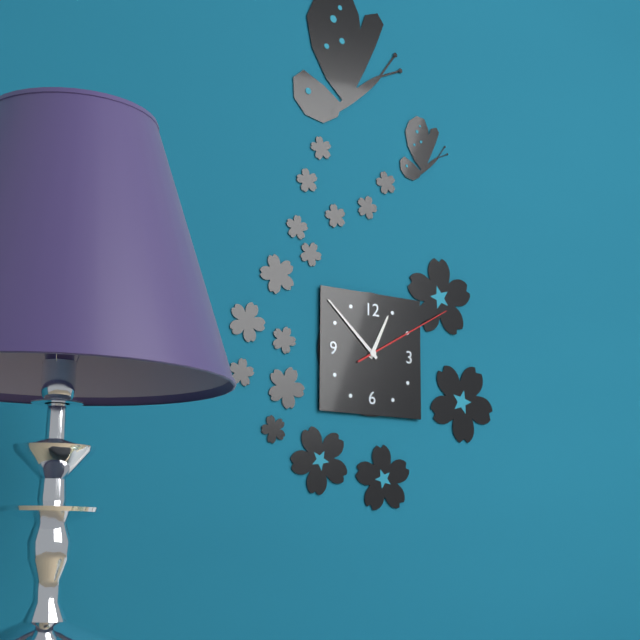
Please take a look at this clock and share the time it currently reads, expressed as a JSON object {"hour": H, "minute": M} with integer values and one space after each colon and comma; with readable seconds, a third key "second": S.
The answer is {"hour": 12, "minute": 52, "second": 10}
